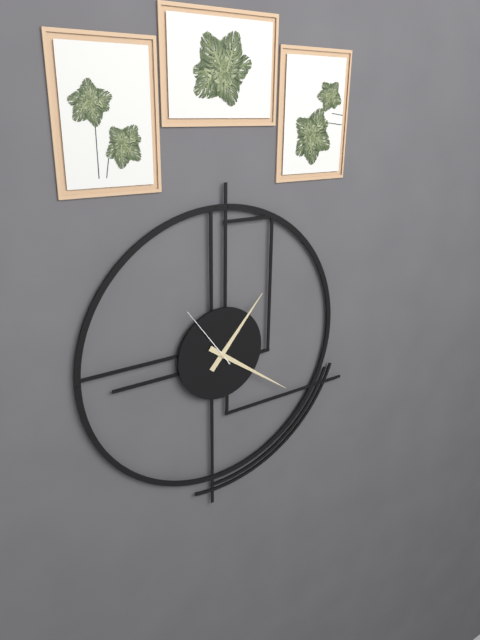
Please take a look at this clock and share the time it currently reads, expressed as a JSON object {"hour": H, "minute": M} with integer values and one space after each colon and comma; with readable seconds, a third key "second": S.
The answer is {"hour": 1, "minute": 21, "second": 54}
